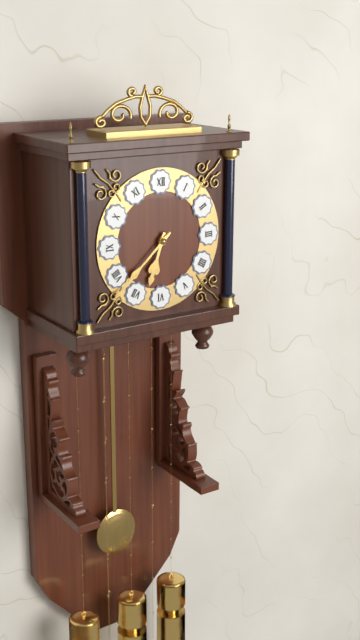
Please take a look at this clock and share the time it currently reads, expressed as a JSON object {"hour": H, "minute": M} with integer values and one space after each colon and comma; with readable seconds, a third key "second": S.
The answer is {"hour": 6, "minute": 38}
